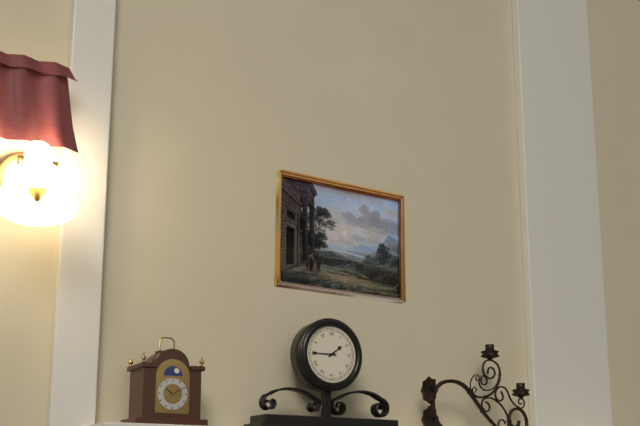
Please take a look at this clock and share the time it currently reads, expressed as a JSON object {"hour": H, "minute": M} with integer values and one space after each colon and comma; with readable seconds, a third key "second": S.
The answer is {"hour": 1, "minute": 45}
